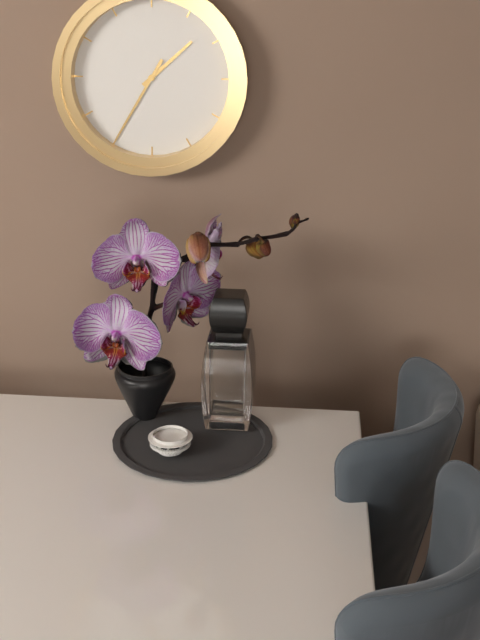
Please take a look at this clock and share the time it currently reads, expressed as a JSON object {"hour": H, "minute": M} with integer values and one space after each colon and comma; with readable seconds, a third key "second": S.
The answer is {"hour": 1, "minute": 35}
